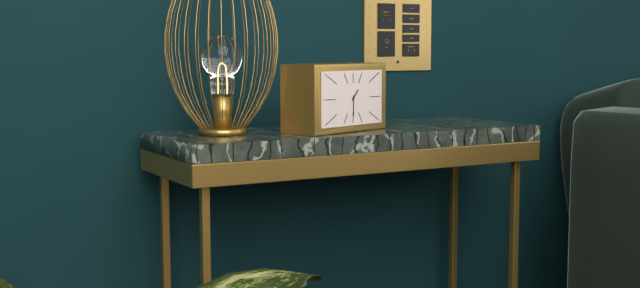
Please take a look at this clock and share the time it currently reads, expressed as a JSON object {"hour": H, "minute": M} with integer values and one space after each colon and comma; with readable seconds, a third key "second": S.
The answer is {"hour": 1, "minute": 30}
